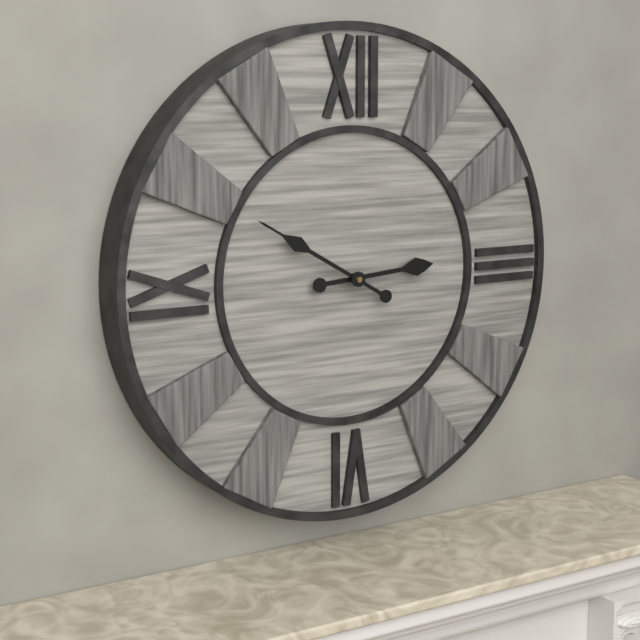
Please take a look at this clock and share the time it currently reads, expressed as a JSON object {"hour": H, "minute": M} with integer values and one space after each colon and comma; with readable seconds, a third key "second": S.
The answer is {"hour": 2, "minute": 50}
